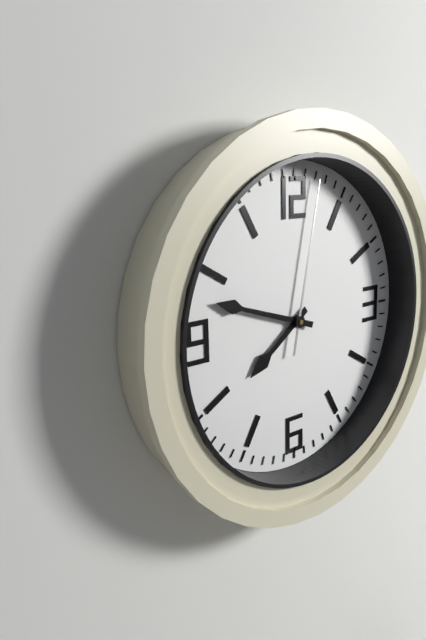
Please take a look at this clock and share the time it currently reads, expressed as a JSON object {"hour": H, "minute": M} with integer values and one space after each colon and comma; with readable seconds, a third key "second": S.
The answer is {"hour": 7, "minute": 48, "second": 2}
